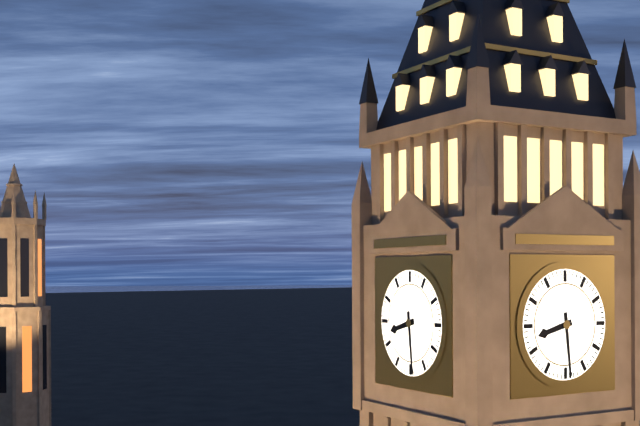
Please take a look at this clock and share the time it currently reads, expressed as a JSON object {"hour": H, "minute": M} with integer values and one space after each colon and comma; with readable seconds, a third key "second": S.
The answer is {"hour": 8, "minute": 29}
